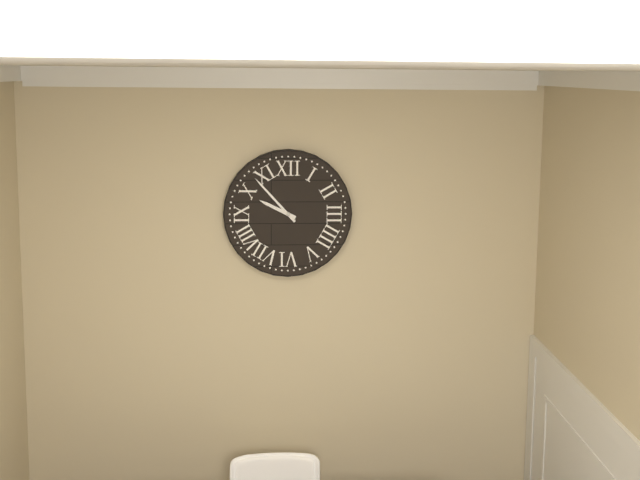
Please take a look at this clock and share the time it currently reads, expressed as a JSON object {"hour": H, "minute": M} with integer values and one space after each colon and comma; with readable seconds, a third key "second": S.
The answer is {"hour": 9, "minute": 53}
